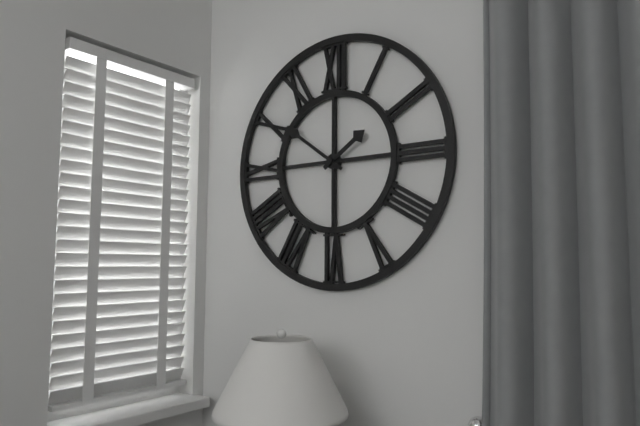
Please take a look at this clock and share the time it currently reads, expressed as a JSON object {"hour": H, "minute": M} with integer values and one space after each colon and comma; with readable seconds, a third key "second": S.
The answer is {"hour": 1, "minute": 51}
